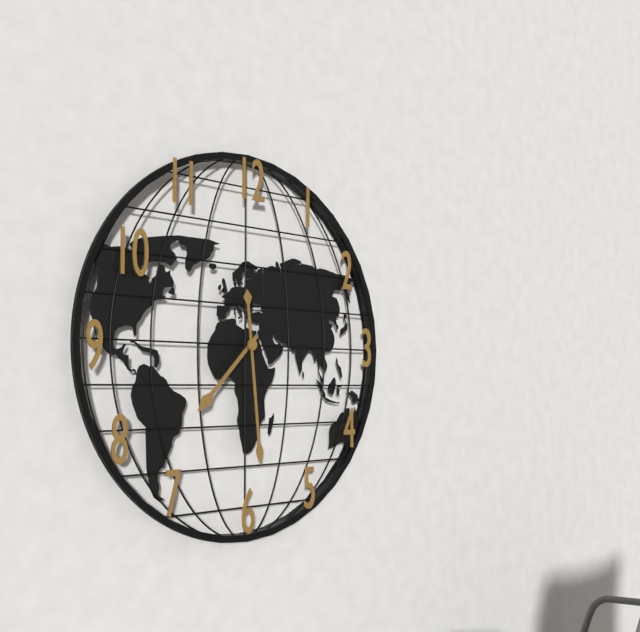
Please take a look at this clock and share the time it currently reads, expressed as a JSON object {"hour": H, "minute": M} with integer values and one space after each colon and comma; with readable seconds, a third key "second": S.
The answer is {"hour": 7, "minute": 29}
